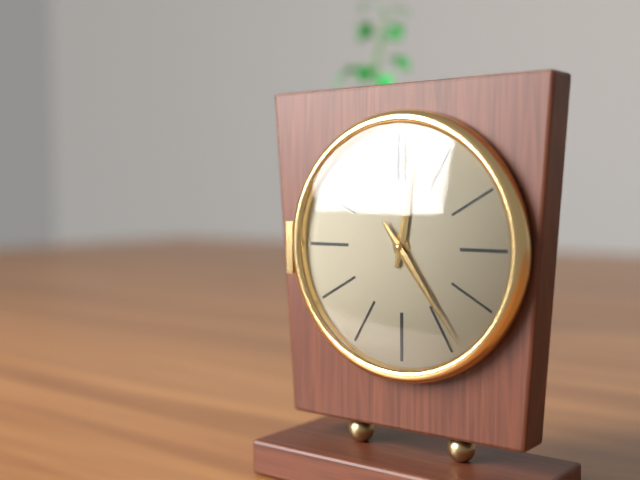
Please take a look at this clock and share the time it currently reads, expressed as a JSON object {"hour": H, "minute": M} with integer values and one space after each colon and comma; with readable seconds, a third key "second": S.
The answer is {"hour": 12, "minute": 24}
